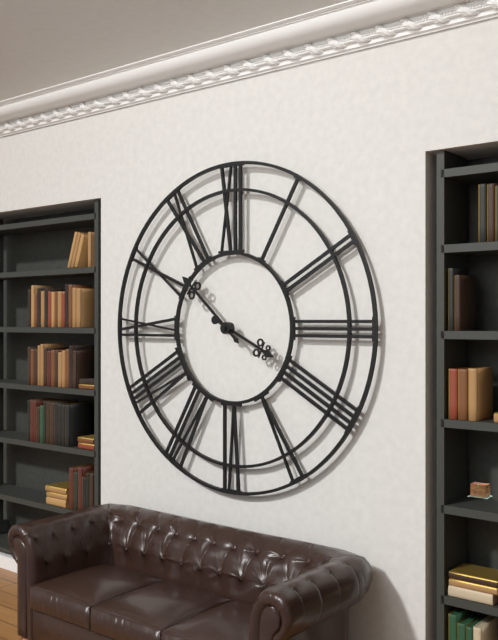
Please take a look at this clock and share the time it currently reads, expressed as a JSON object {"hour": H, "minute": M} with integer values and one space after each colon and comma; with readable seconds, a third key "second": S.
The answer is {"hour": 3, "minute": 52}
